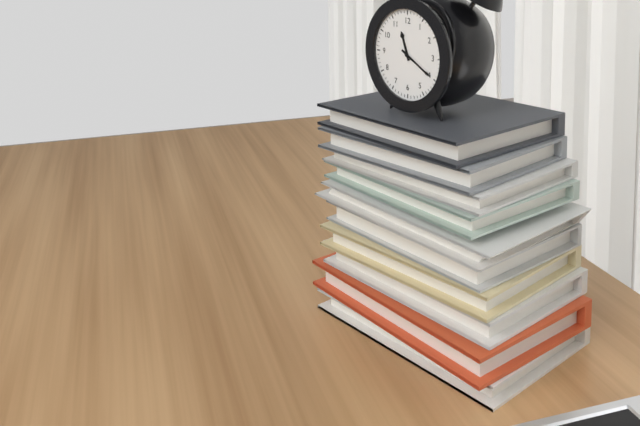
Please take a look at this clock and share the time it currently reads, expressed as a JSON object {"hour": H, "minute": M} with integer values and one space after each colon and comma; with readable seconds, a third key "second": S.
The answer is {"hour": 11, "minute": 20}
